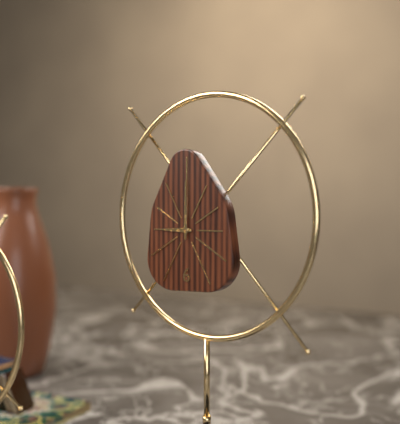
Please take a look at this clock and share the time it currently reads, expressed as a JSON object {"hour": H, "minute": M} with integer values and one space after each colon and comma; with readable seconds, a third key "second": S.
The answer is {"hour": 9, "minute": 0}
